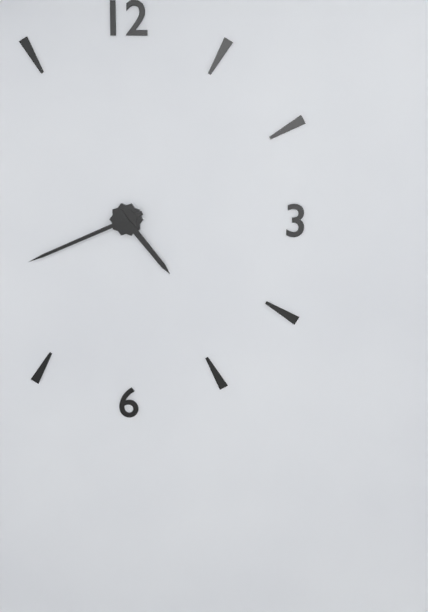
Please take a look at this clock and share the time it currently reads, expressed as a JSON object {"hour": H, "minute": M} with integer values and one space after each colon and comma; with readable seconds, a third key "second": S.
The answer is {"hour": 4, "minute": 41}
